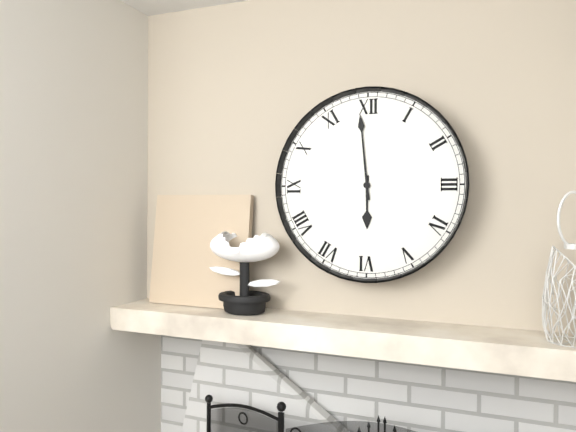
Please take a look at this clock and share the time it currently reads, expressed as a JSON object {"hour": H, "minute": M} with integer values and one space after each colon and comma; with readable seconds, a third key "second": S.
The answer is {"hour": 5, "minute": 59}
